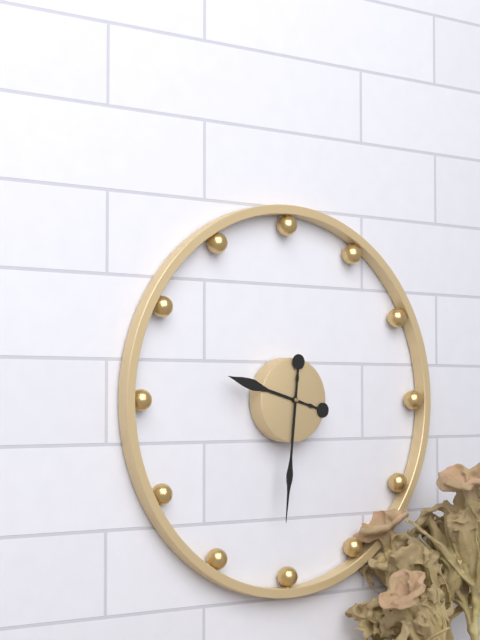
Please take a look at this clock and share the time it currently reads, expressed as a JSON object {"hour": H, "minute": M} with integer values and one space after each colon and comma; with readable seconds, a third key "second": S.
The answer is {"hour": 9, "minute": 31}
